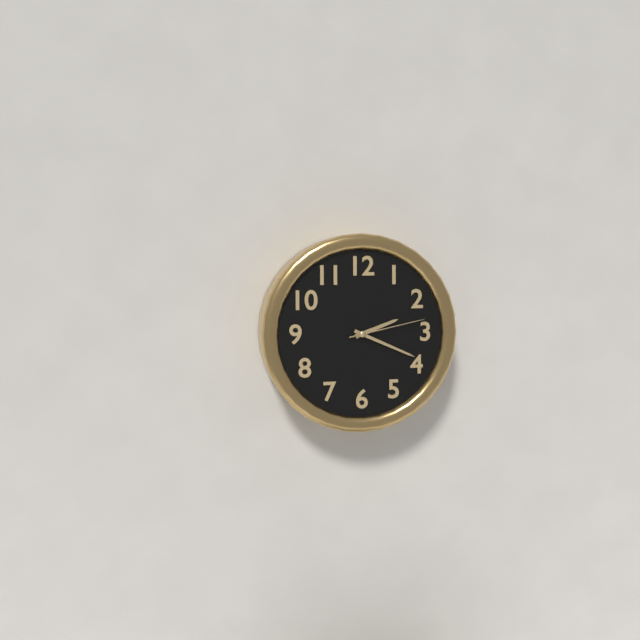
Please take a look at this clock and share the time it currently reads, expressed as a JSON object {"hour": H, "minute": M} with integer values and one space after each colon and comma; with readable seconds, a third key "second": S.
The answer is {"hour": 2, "minute": 19, "second": 13}
